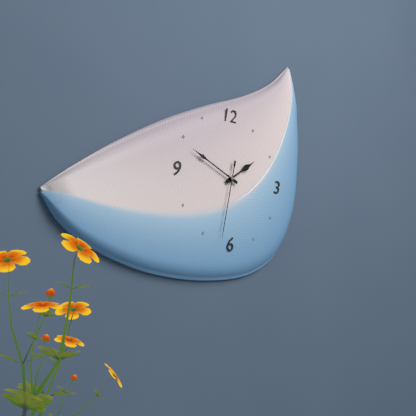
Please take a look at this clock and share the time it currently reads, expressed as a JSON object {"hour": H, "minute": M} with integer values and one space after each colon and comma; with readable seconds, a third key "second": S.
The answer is {"hour": 1, "minute": 49, "second": 32}
